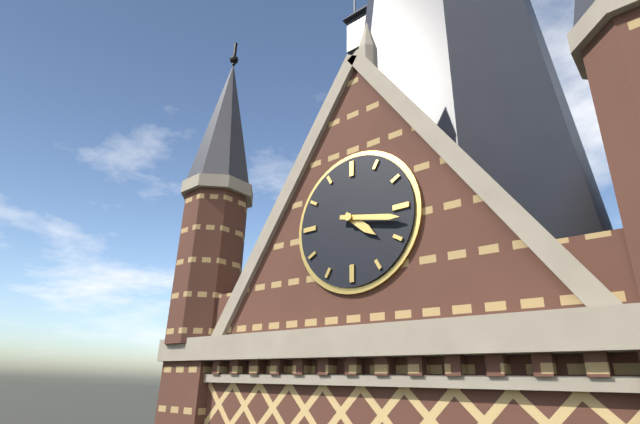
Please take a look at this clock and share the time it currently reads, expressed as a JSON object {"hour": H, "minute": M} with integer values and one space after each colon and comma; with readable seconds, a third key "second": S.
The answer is {"hour": 4, "minute": 17}
